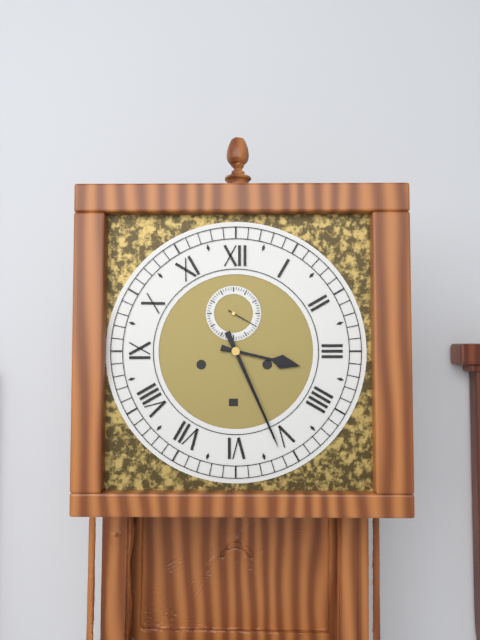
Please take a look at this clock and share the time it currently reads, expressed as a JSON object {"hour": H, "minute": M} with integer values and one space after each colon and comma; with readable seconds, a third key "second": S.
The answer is {"hour": 3, "minute": 26}
